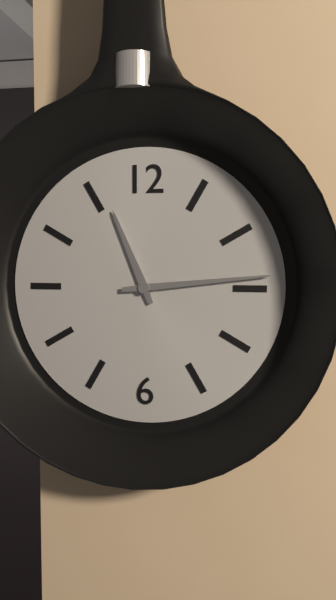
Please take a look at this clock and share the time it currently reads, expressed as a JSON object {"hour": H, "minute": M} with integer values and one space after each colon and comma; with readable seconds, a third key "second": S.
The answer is {"hour": 11, "minute": 14}
